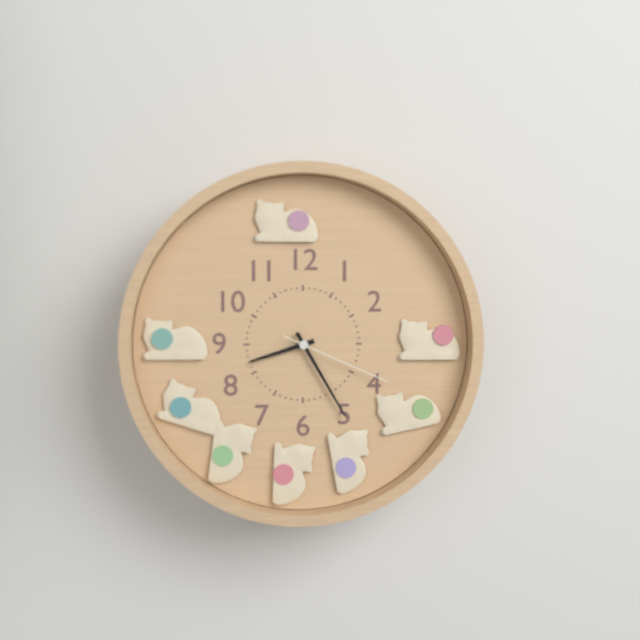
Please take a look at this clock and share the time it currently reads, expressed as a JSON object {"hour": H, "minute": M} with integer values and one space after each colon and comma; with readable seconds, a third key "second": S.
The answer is {"hour": 8, "minute": 25, "second": 19}
